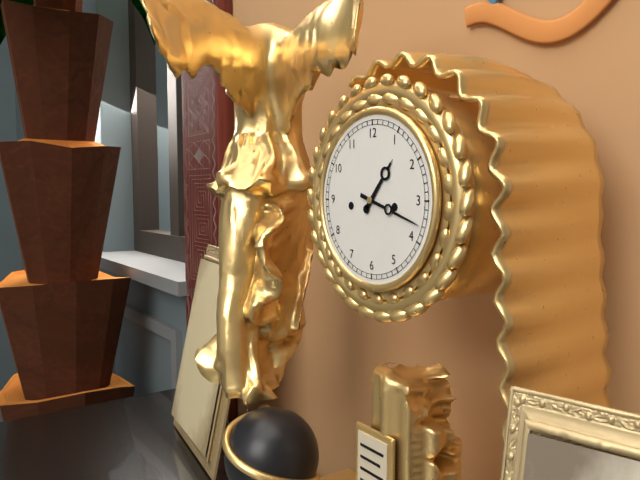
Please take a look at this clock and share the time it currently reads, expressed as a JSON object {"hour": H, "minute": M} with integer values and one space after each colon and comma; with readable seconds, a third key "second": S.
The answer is {"hour": 1, "minute": 18}
